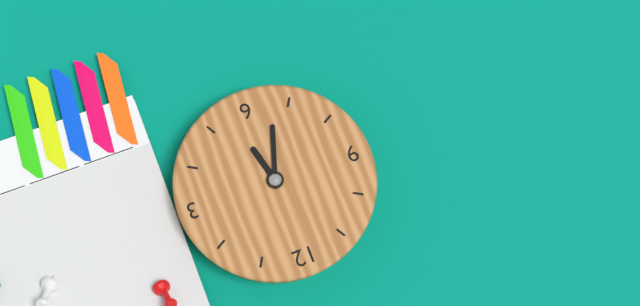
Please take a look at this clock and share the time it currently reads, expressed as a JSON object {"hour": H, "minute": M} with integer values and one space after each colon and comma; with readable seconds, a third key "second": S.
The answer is {"hour": 5, "minute": 33}
